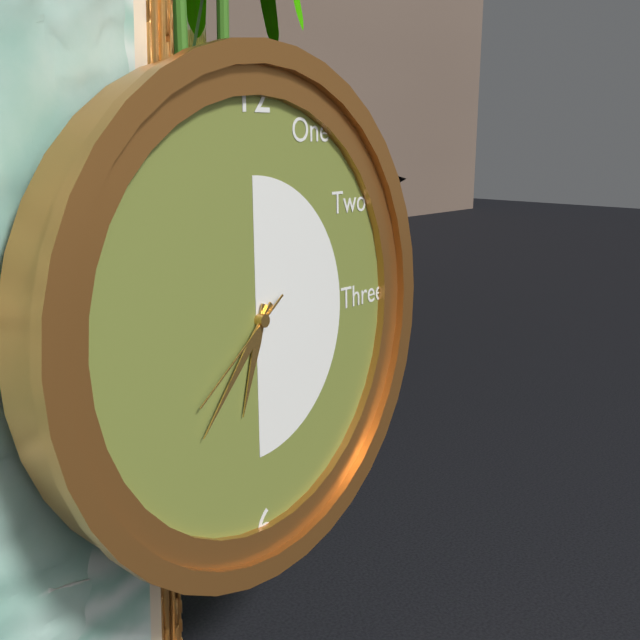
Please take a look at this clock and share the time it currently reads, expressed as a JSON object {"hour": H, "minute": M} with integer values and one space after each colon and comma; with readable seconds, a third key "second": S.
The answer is {"hour": 6, "minute": 37, "second": 39}
